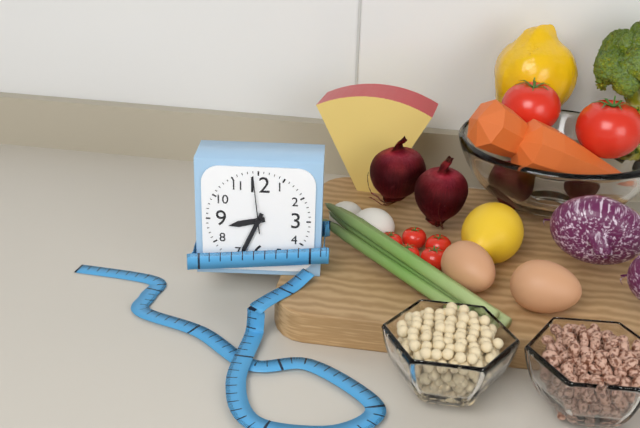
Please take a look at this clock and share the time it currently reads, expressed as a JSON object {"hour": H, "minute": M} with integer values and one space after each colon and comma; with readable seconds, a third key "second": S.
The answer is {"hour": 8, "minute": 34, "second": 59}
